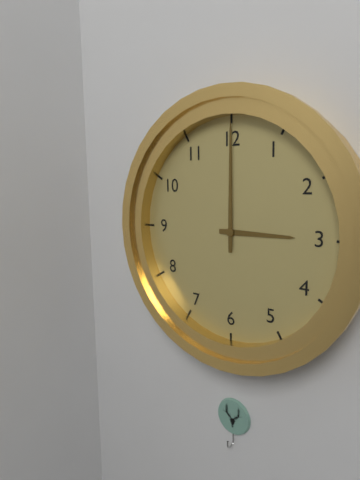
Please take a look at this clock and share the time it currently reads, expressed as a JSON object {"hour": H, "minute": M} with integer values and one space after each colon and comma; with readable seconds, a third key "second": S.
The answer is {"hour": 3, "minute": 0}
